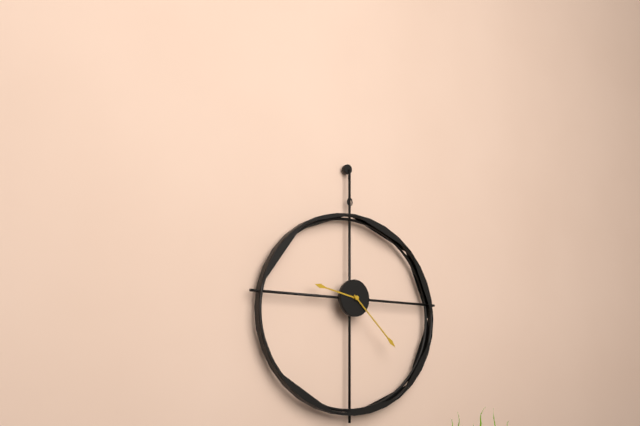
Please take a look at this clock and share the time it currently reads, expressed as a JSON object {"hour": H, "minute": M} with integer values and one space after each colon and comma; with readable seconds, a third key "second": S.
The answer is {"hour": 9, "minute": 22}
